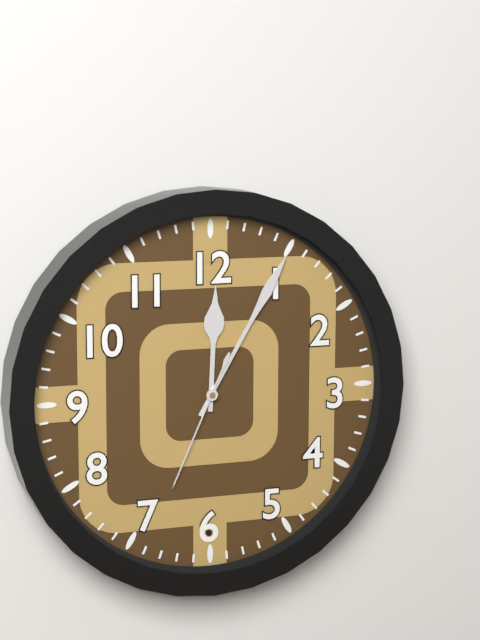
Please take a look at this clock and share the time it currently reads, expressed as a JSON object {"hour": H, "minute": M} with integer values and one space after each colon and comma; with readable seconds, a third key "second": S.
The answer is {"hour": 12, "minute": 5, "second": 34}
